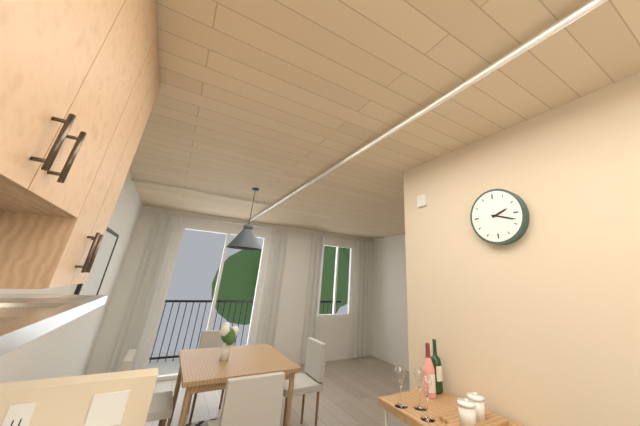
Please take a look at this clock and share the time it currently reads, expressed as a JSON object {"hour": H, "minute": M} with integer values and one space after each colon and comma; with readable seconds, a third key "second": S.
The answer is {"hour": 2, "minute": 18}
